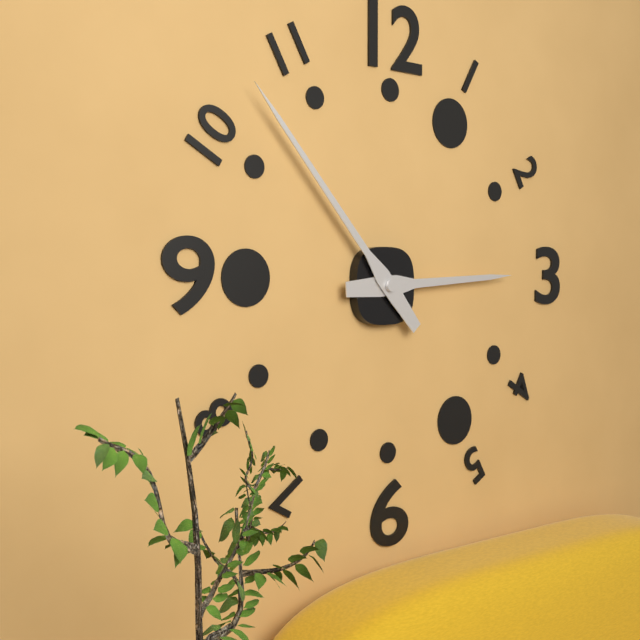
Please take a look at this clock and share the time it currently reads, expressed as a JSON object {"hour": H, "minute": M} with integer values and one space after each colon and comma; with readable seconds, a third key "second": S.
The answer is {"hour": 2, "minute": 53}
